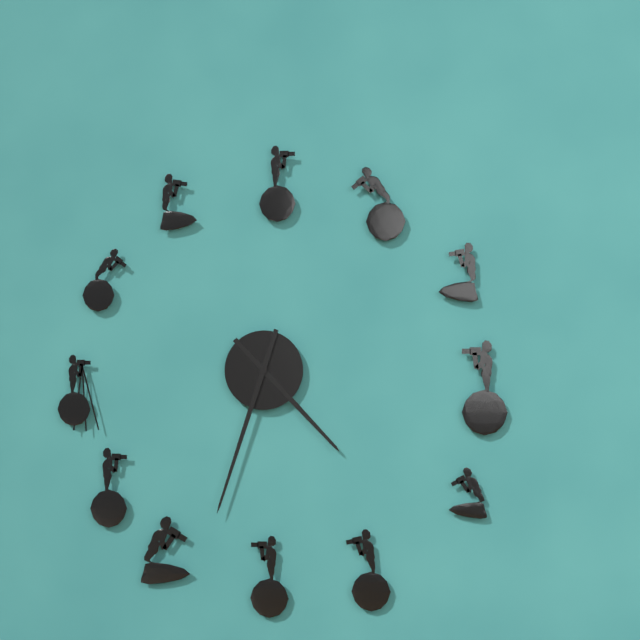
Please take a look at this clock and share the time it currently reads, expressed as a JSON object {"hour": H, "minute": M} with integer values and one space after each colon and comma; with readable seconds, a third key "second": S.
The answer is {"hour": 4, "minute": 33}
